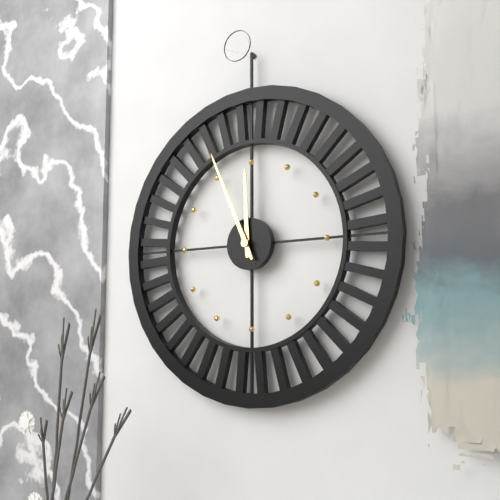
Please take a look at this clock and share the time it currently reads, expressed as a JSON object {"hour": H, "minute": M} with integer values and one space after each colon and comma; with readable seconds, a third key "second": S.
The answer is {"hour": 11, "minute": 56}
